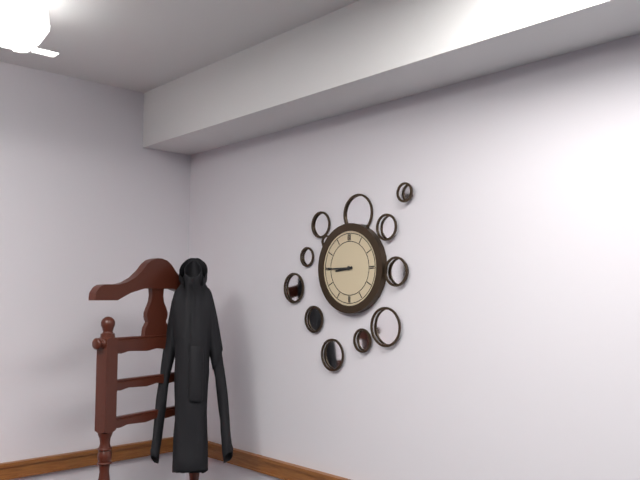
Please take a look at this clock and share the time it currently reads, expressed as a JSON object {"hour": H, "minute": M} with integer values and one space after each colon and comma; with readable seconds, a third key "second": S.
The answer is {"hour": 8, "minute": 45}
